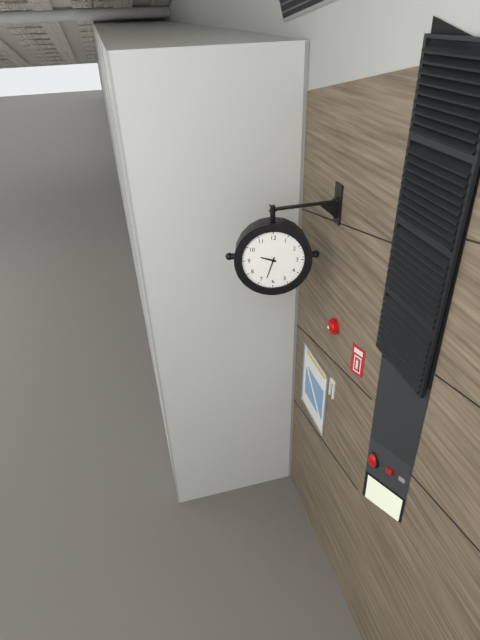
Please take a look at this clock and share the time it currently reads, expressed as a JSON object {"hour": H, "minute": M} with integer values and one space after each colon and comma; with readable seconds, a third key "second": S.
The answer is {"hour": 9, "minute": 33}
